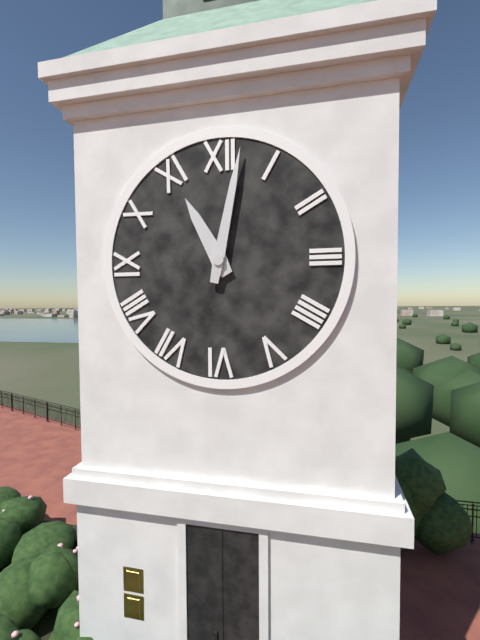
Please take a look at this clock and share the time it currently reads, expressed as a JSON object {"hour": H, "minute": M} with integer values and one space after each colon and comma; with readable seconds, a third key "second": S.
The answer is {"hour": 11, "minute": 2}
